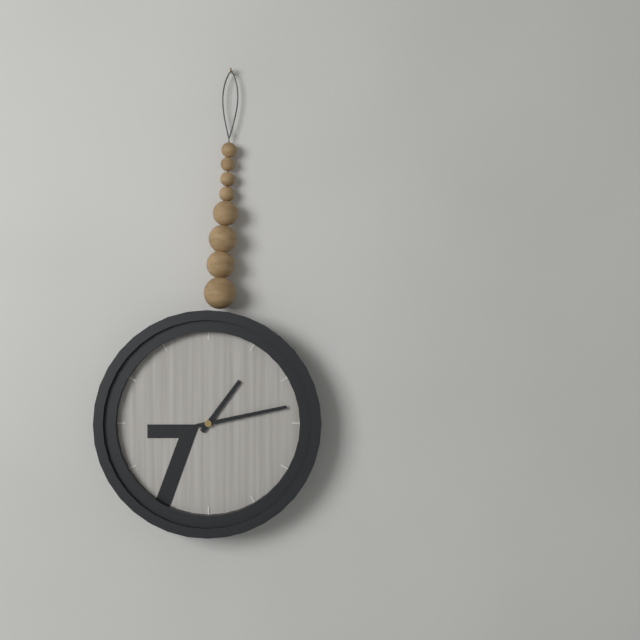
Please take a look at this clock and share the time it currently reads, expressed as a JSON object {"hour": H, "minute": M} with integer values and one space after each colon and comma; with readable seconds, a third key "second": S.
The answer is {"hour": 1, "minute": 13}
